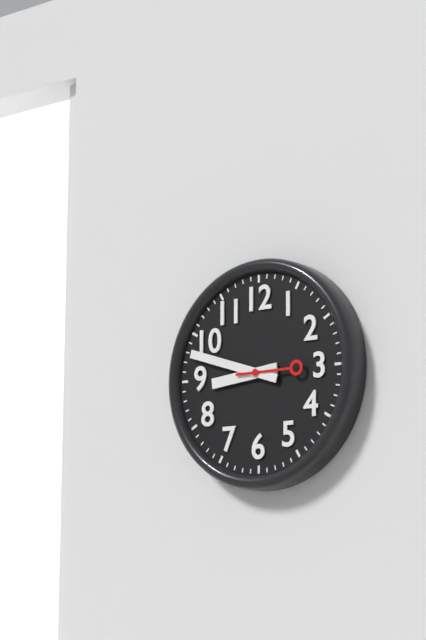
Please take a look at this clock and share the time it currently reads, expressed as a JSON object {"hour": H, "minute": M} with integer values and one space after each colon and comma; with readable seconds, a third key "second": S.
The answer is {"hour": 8, "minute": 48}
